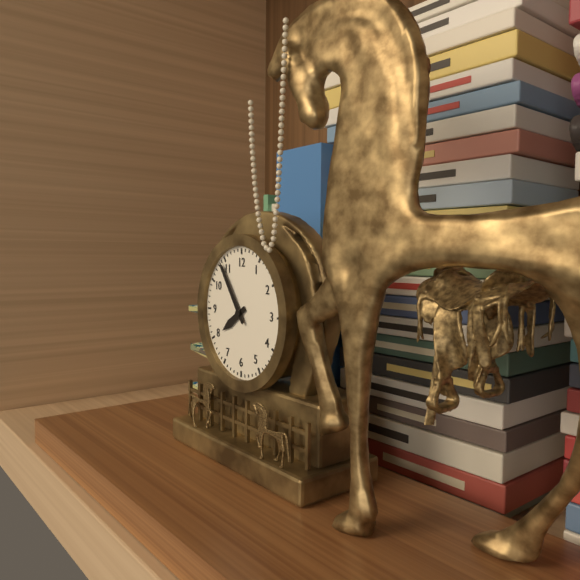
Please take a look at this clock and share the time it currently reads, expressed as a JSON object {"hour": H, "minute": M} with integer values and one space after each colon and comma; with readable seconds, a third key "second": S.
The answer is {"hour": 7, "minute": 54}
